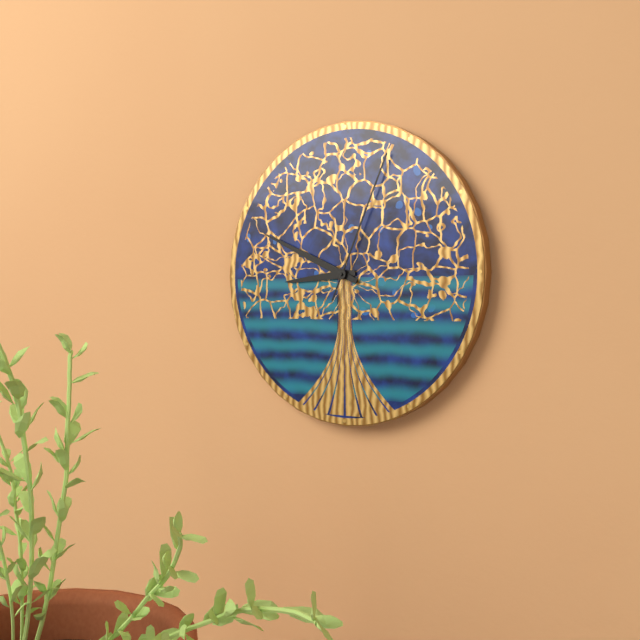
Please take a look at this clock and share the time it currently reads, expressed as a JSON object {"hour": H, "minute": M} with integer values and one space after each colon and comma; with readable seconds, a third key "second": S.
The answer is {"hour": 8, "minute": 49, "second": 4}
